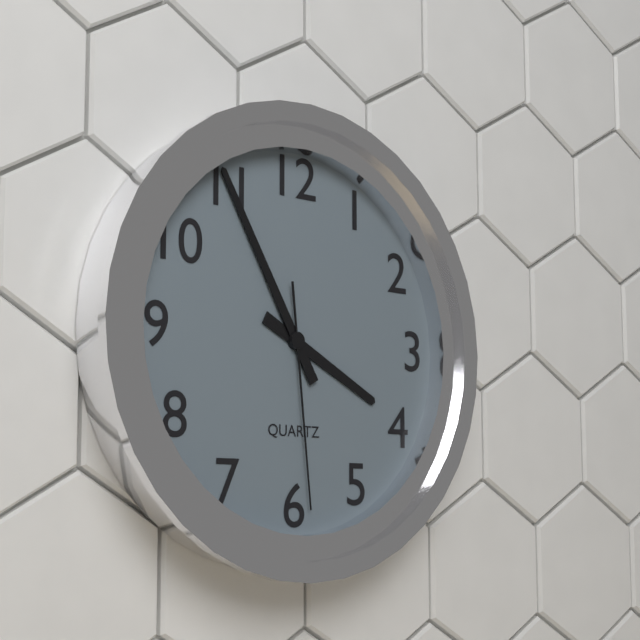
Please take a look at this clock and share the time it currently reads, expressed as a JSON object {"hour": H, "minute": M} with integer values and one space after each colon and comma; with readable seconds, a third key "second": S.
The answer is {"hour": 3, "minute": 55, "second": 29}
